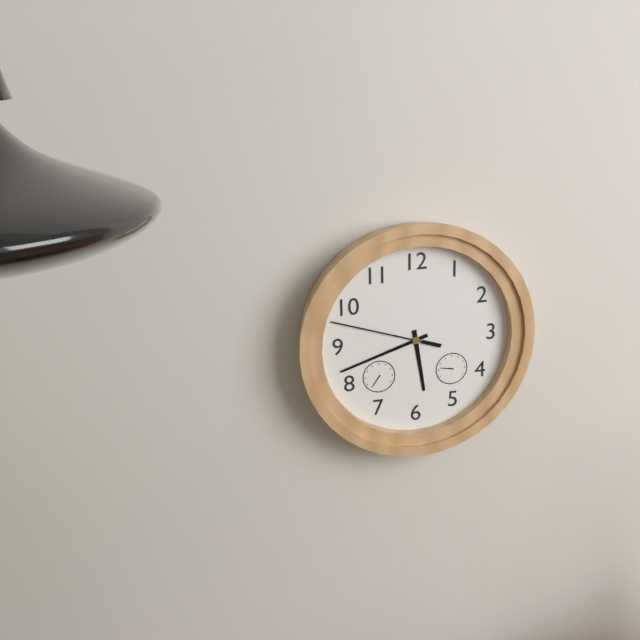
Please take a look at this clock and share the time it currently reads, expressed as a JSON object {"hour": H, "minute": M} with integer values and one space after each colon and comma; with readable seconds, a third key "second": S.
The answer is {"hour": 5, "minute": 42, "second": 48}
